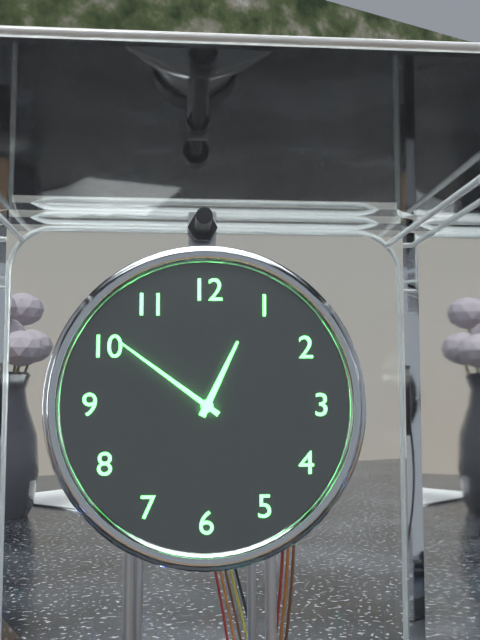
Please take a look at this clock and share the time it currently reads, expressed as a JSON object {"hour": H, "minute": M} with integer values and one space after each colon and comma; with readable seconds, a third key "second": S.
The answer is {"hour": 12, "minute": 51}
